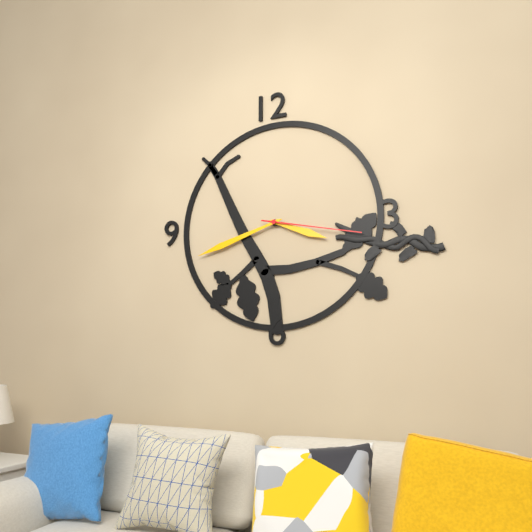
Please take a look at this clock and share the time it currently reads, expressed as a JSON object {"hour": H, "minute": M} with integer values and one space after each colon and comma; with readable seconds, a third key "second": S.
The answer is {"hour": 3, "minute": 42, "second": 17}
